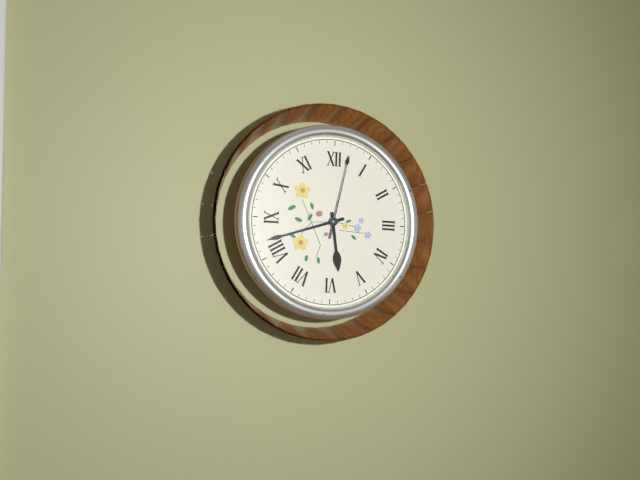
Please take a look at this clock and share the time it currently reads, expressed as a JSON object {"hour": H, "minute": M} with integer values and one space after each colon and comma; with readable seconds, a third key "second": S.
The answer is {"hour": 5, "minute": 42, "second": 2}
